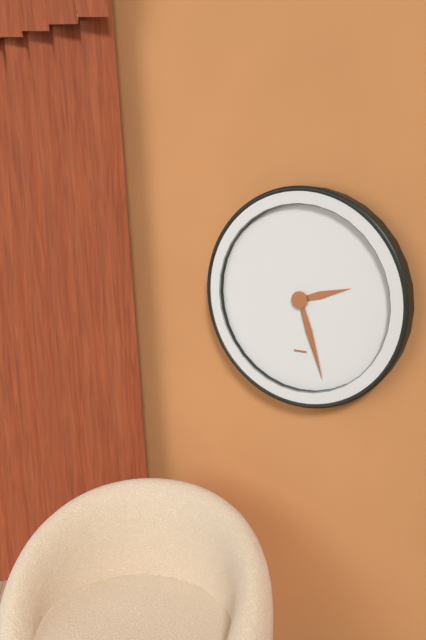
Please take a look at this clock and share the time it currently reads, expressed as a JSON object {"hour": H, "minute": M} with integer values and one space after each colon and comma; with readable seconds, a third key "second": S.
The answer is {"hour": 2, "minute": 27}
